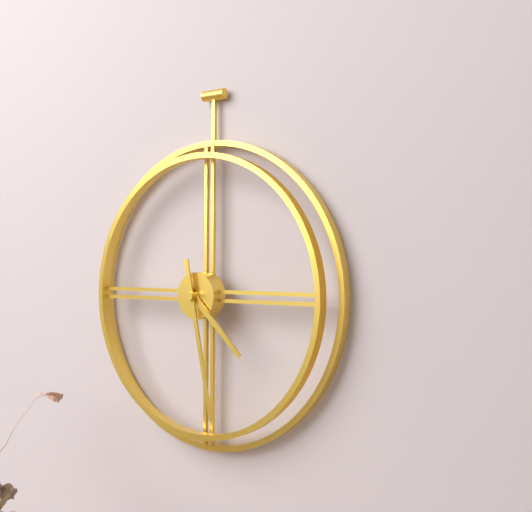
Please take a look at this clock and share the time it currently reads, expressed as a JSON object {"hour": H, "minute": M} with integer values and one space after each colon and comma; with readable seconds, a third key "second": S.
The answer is {"hour": 4, "minute": 28}
